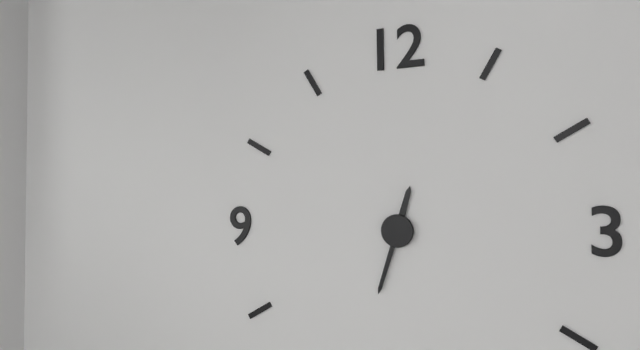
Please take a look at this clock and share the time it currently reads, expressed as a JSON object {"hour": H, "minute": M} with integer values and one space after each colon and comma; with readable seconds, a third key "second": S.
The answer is {"hour": 12, "minute": 33}
